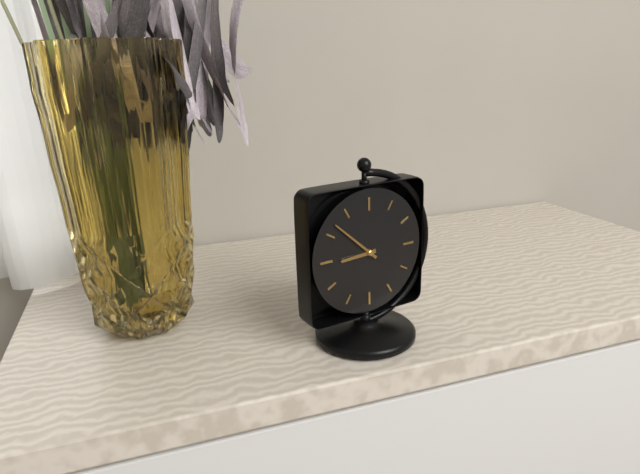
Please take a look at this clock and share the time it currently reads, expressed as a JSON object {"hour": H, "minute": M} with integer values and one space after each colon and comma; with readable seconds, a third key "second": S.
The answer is {"hour": 8, "minute": 52}
